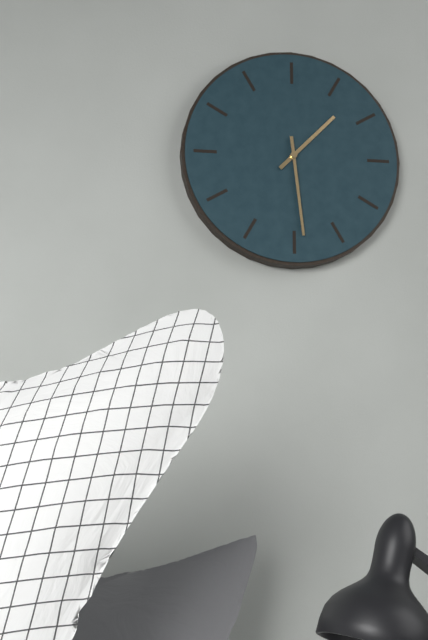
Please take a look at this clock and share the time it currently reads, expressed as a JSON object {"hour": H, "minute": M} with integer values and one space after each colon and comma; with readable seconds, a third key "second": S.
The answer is {"hour": 1, "minute": 29}
